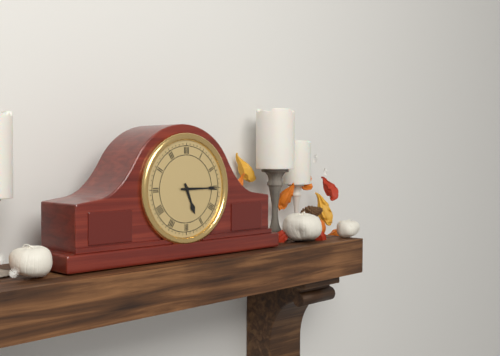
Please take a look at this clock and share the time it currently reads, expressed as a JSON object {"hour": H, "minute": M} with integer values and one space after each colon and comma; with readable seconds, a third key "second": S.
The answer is {"hour": 5, "minute": 15}
